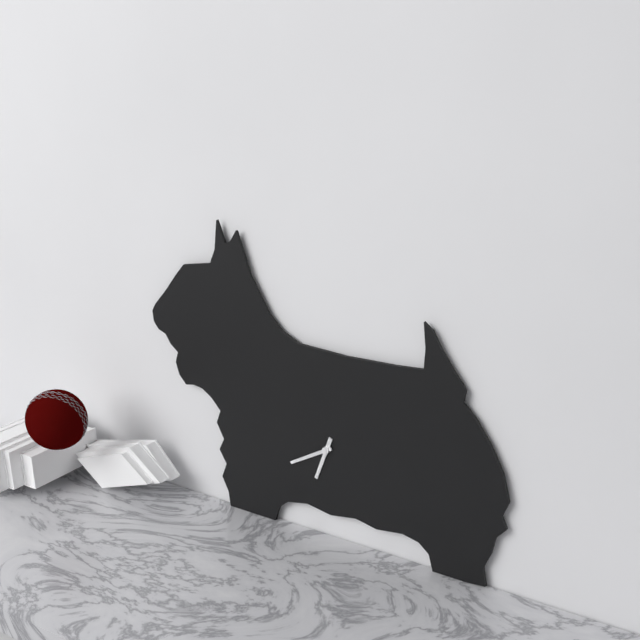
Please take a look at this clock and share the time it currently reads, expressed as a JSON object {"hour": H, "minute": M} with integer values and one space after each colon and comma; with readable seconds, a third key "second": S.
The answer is {"hour": 6, "minute": 40}
